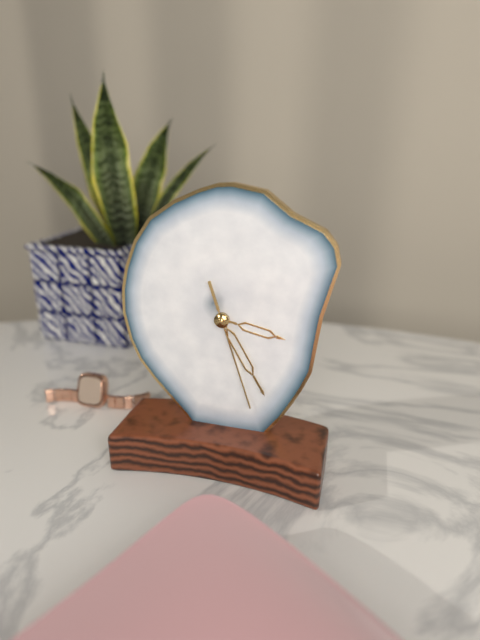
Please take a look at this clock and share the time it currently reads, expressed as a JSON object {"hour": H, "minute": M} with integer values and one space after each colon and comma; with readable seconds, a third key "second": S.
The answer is {"hour": 3, "minute": 25, "second": 27}
